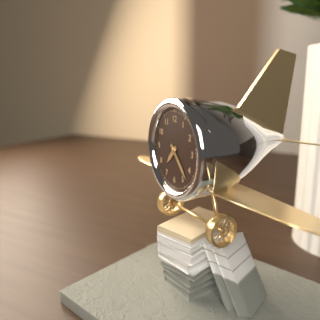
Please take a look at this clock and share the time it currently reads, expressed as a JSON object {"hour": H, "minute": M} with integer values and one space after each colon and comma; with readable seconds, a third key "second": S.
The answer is {"hour": 7, "minute": 23}
